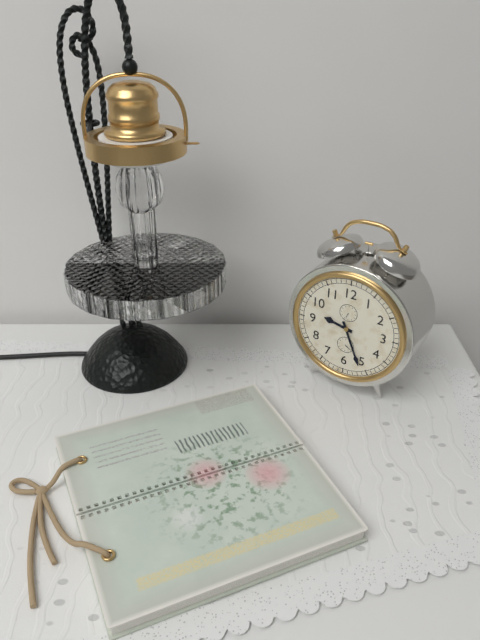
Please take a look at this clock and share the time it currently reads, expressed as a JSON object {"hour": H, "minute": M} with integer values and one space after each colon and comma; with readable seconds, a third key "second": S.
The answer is {"hour": 9, "minute": 26}
